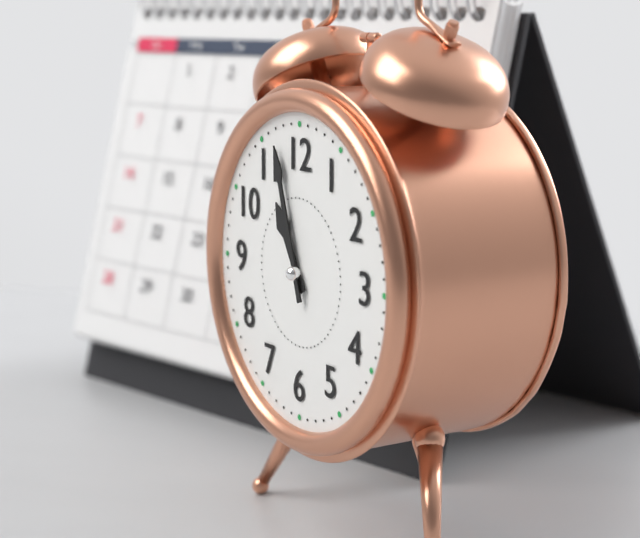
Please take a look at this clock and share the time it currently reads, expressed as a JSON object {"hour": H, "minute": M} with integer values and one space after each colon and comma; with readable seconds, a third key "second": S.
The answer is {"hour": 10, "minute": 57}
